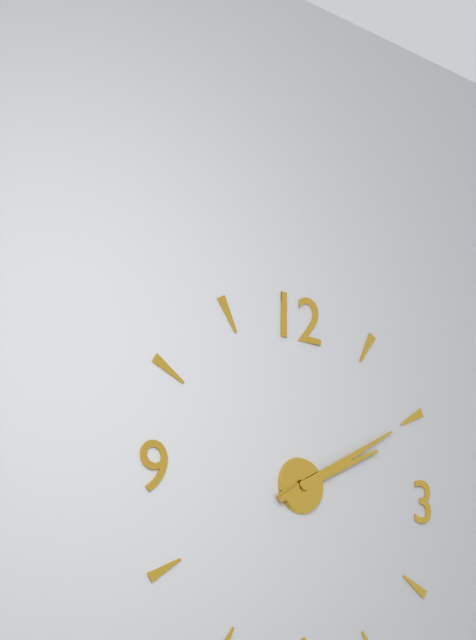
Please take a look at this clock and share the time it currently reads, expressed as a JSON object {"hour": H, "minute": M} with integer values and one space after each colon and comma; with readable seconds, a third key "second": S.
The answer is {"hour": 2, "minute": 10}
